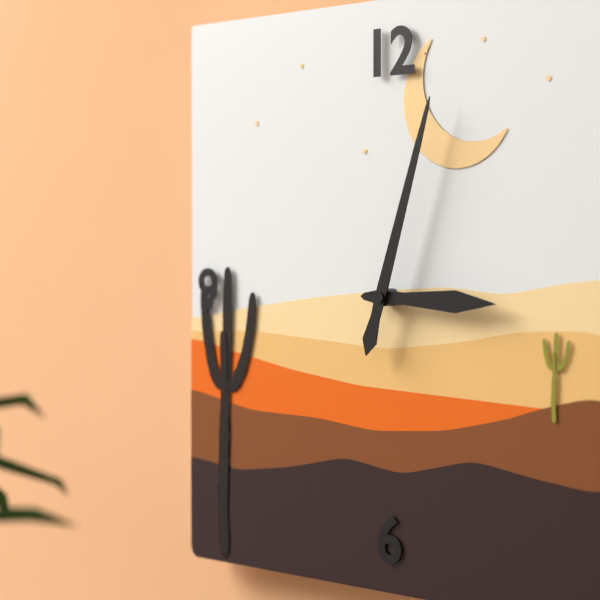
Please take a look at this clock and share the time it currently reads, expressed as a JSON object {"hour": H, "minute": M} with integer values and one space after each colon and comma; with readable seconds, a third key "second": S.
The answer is {"hour": 3, "minute": 3}
